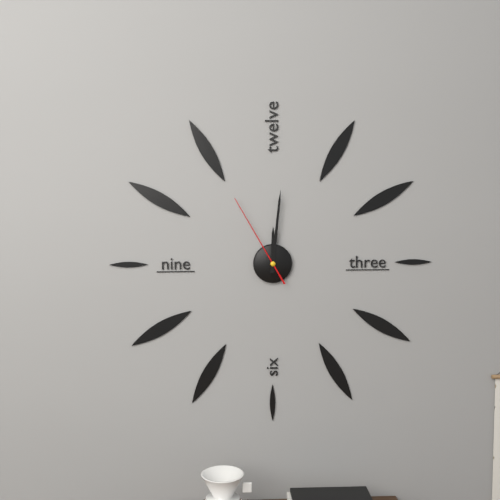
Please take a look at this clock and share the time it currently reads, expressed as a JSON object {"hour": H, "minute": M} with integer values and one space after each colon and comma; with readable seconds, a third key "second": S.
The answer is {"hour": 12, "minute": 1, "second": 55}
